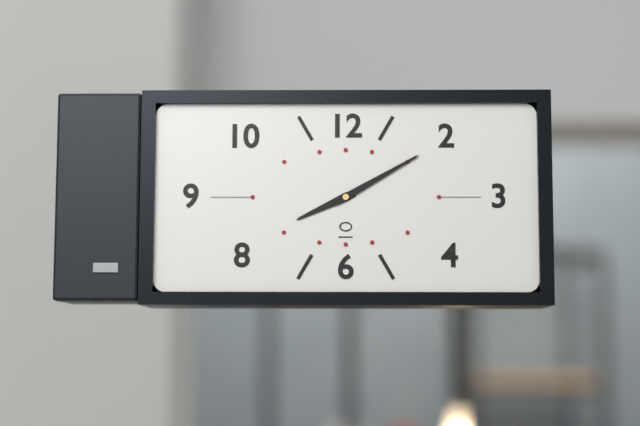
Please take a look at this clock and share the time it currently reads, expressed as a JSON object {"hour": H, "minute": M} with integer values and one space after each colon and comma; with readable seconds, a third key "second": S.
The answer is {"hour": 8, "minute": 10}
